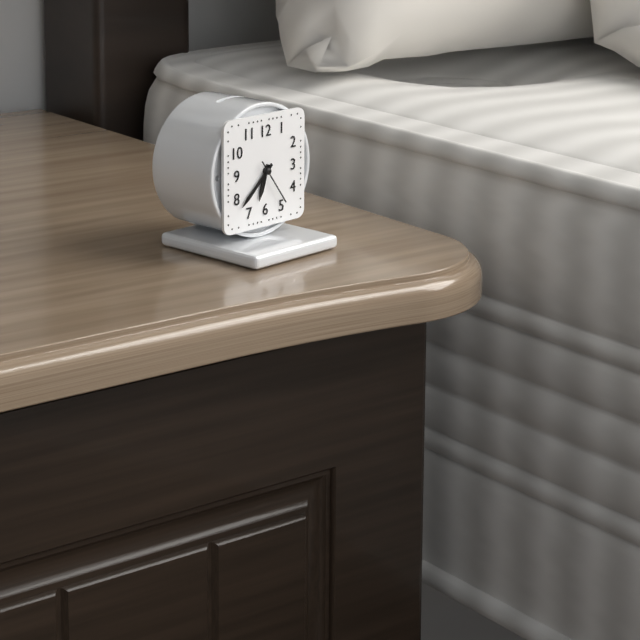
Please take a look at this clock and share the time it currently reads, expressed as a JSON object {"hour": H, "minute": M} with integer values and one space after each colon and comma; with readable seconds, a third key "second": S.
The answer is {"hour": 6, "minute": 38}
